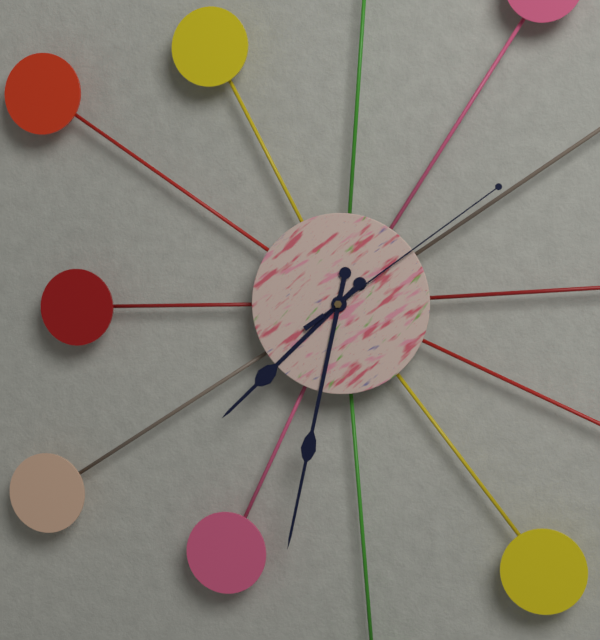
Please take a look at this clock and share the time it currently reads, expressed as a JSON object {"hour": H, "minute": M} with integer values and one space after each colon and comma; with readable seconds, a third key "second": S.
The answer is {"hour": 7, "minute": 32, "second": 9}
